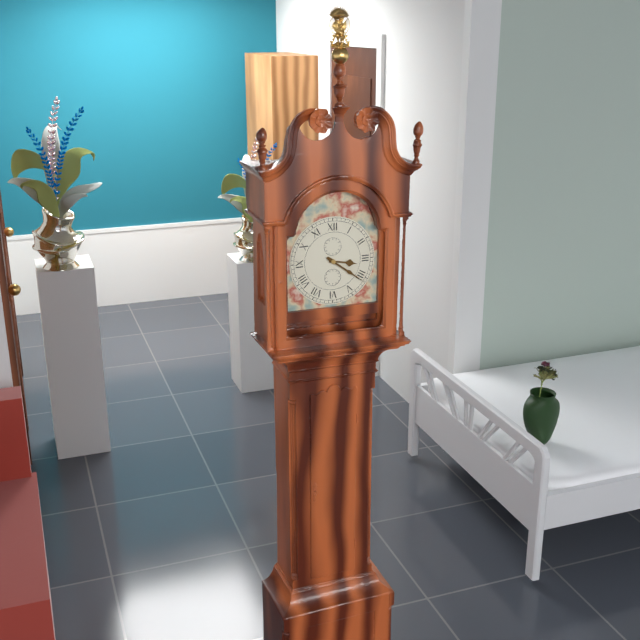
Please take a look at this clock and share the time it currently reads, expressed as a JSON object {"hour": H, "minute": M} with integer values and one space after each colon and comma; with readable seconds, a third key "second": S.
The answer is {"hour": 3, "minute": 21}
